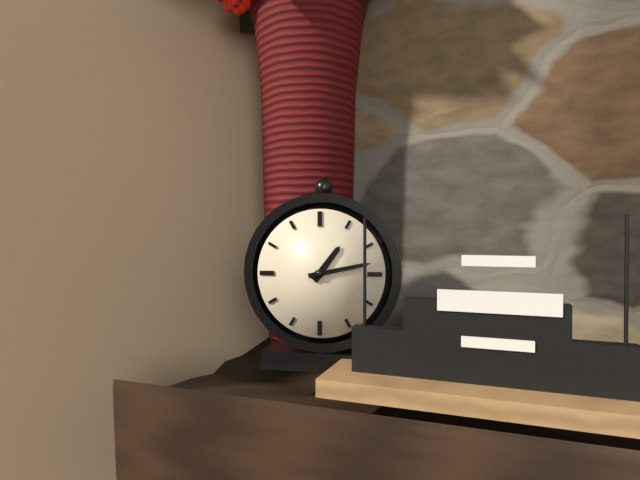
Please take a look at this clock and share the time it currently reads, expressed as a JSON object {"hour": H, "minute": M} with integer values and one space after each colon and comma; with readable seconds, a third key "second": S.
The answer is {"hour": 1, "minute": 13}
